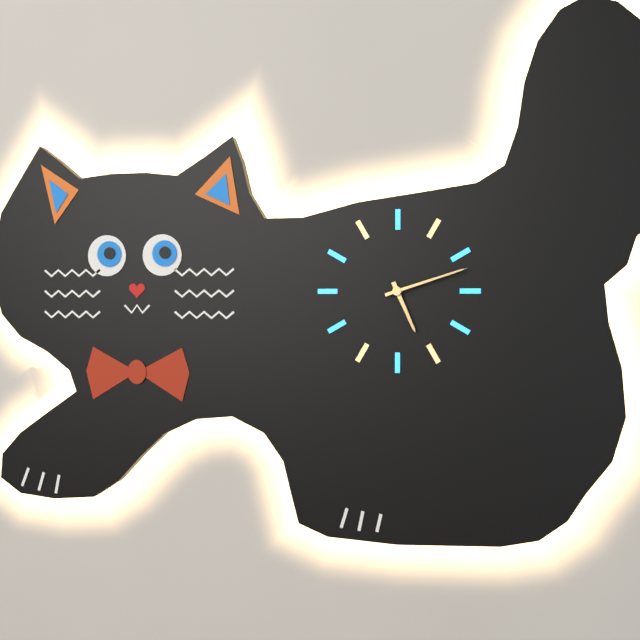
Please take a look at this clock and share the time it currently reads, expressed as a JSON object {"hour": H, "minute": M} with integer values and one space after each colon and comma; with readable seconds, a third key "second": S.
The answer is {"hour": 5, "minute": 12}
